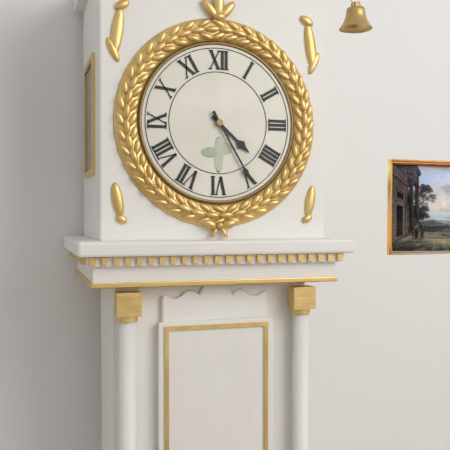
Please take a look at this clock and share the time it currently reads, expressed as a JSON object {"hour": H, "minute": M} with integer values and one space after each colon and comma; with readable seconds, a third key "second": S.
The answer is {"hour": 4, "minute": 25}
